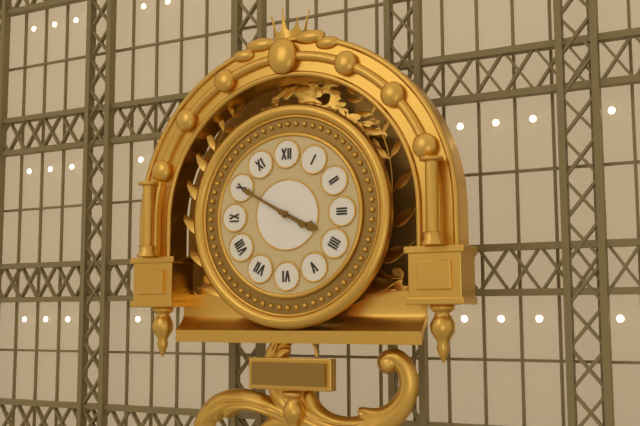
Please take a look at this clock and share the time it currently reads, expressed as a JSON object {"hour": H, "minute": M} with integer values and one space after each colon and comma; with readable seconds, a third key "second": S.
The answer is {"hour": 3, "minute": 50}
